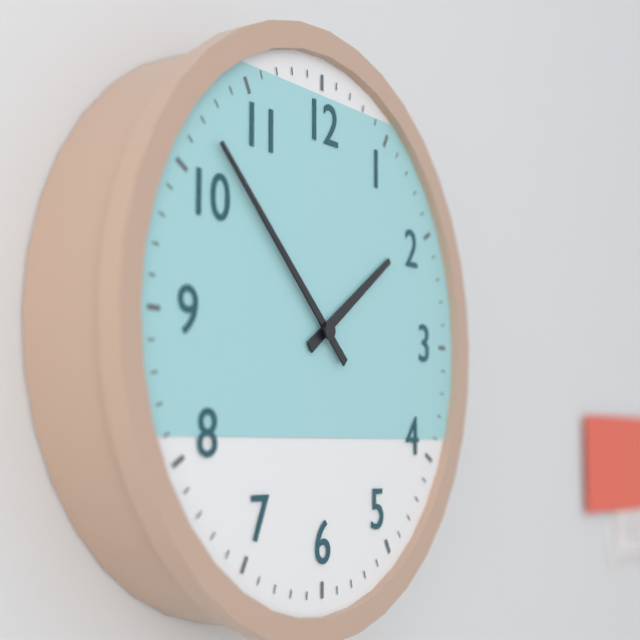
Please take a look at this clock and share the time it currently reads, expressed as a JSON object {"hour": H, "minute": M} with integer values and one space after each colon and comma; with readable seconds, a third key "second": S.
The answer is {"hour": 1, "minute": 52}
